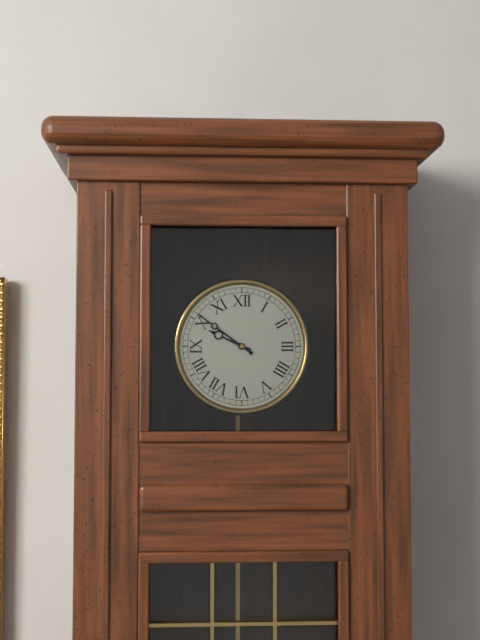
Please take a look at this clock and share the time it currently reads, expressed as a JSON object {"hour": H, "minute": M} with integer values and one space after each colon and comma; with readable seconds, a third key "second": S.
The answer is {"hour": 9, "minute": 51}
